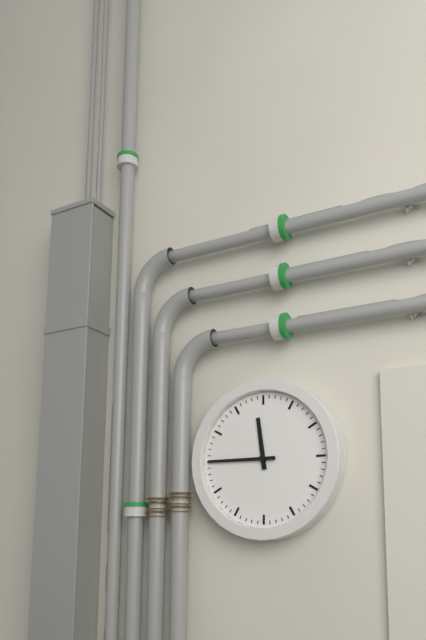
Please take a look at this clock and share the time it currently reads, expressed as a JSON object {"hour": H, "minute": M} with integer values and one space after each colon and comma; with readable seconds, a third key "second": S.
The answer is {"hour": 11, "minute": 45}
